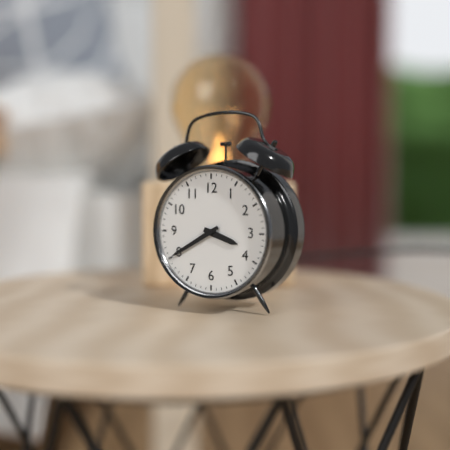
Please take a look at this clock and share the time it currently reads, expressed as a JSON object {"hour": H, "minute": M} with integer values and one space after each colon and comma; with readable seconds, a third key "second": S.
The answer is {"hour": 3, "minute": 40}
